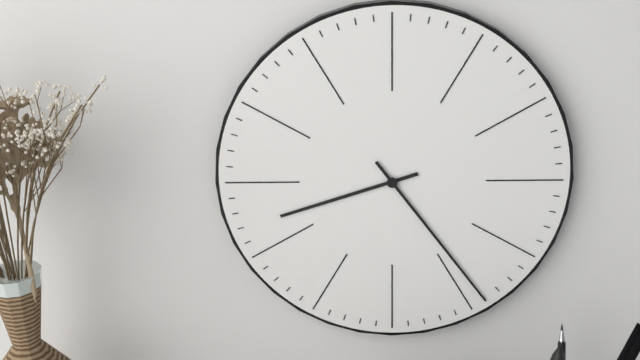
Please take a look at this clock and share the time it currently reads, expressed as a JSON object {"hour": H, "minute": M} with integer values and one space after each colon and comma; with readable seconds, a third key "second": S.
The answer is {"hour": 8, "minute": 24}
